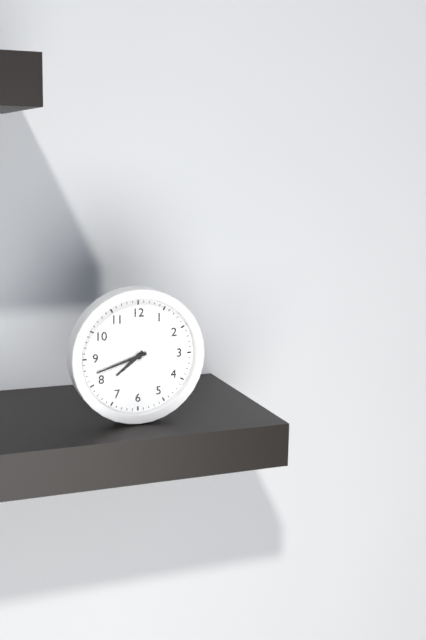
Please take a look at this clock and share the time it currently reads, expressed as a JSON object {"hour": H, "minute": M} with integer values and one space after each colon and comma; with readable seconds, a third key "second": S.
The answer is {"hour": 7, "minute": 42}
